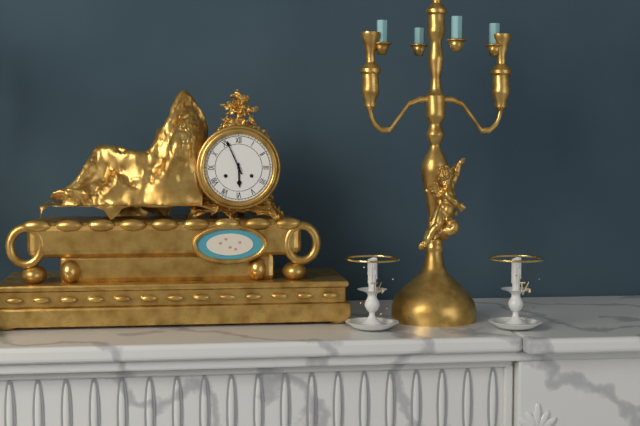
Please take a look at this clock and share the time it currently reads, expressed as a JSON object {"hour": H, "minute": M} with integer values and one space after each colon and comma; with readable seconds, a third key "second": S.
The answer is {"hour": 5, "minute": 56}
